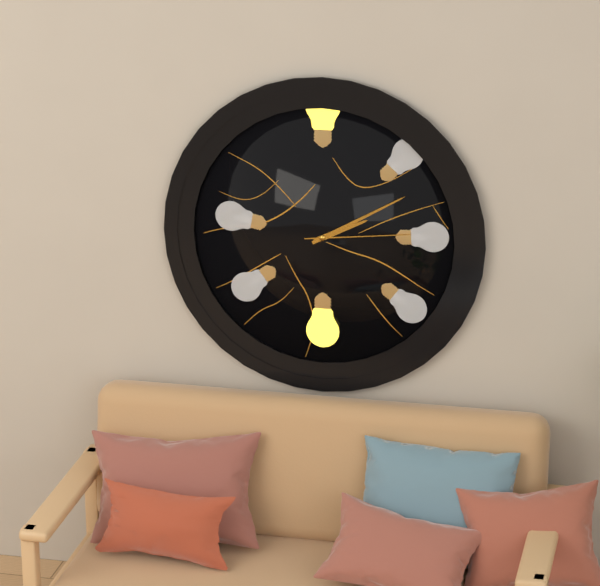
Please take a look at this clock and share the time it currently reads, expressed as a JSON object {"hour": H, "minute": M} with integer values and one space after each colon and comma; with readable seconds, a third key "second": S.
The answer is {"hour": 2, "minute": 10, "second": 14}
